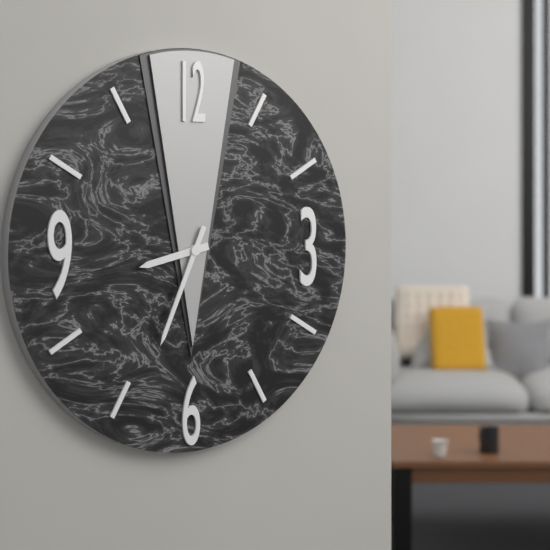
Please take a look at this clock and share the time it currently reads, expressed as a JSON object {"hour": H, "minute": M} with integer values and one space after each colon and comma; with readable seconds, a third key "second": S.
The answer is {"hour": 8, "minute": 34}
